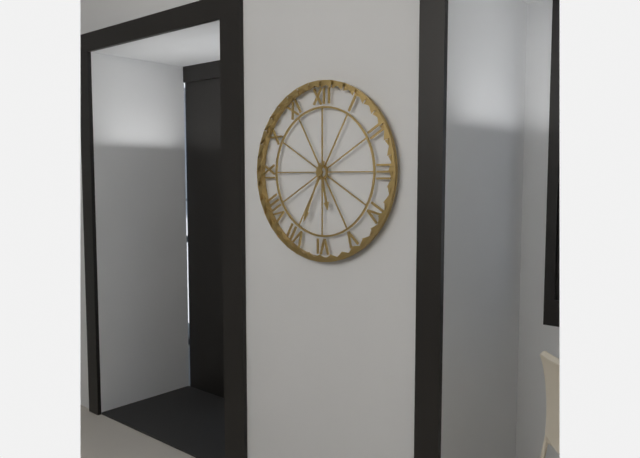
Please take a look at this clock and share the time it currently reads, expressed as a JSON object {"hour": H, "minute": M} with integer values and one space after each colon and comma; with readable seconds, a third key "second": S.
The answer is {"hour": 5, "minute": 34}
